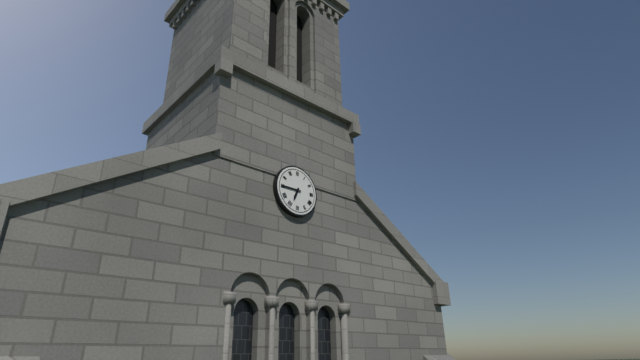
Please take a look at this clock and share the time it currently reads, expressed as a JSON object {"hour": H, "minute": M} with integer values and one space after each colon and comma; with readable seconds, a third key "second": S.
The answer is {"hour": 6, "minute": 45}
